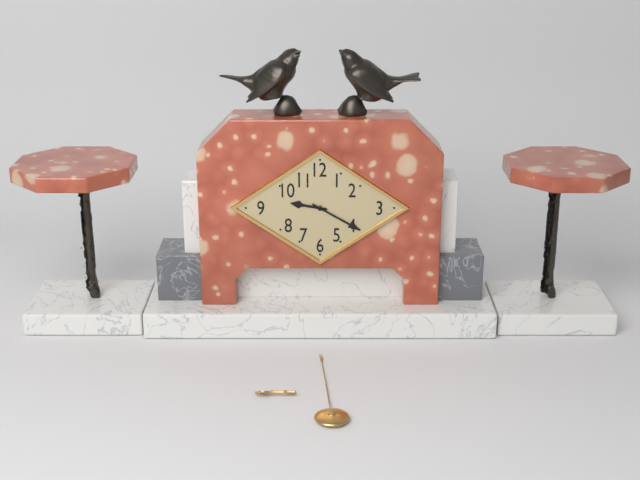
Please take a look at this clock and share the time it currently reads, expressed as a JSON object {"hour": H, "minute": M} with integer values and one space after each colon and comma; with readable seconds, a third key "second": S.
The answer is {"hour": 9, "minute": 20}
